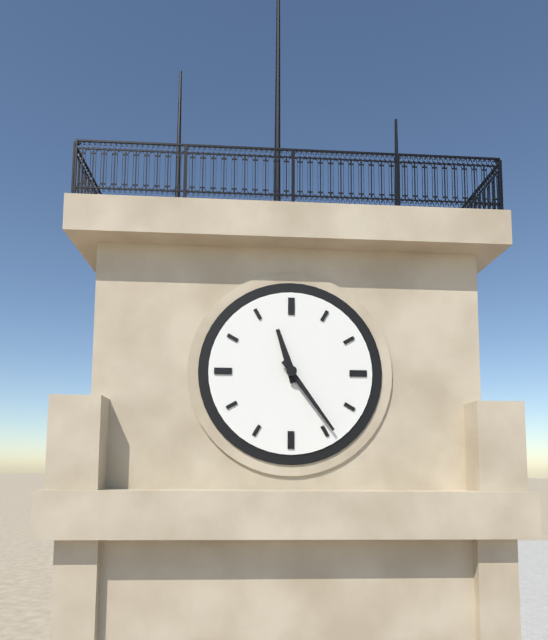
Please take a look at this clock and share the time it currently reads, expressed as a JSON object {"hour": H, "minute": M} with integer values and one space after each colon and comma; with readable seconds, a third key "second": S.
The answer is {"hour": 11, "minute": 24}
